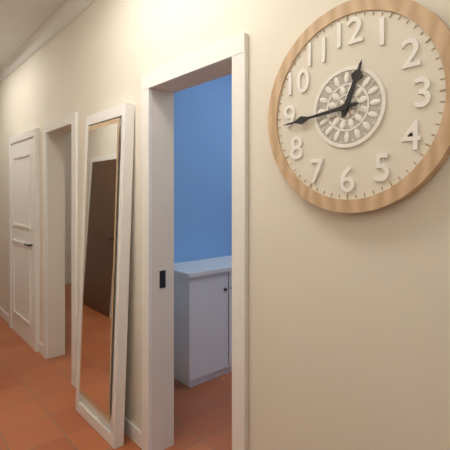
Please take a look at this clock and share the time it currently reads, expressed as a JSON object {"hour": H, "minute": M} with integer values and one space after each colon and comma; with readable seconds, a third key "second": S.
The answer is {"hour": 12, "minute": 44}
